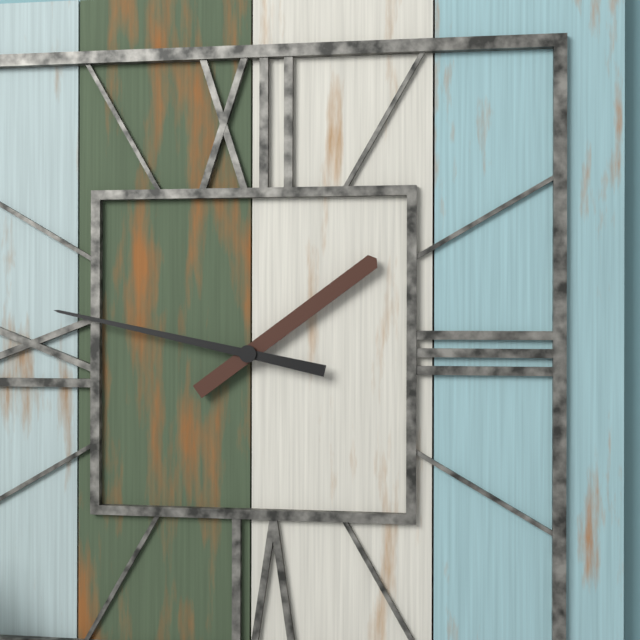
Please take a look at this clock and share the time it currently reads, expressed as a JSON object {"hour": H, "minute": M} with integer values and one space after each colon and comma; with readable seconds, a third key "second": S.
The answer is {"hour": 1, "minute": 47}
